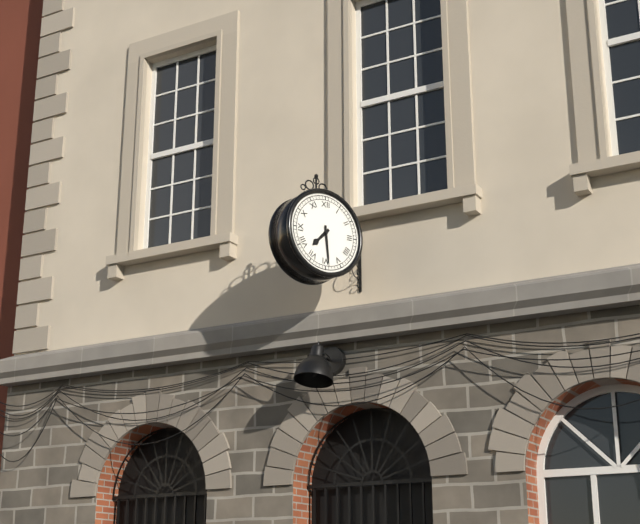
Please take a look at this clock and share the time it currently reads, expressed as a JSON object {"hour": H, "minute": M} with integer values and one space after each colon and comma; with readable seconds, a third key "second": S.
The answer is {"hour": 7, "minute": 29}
